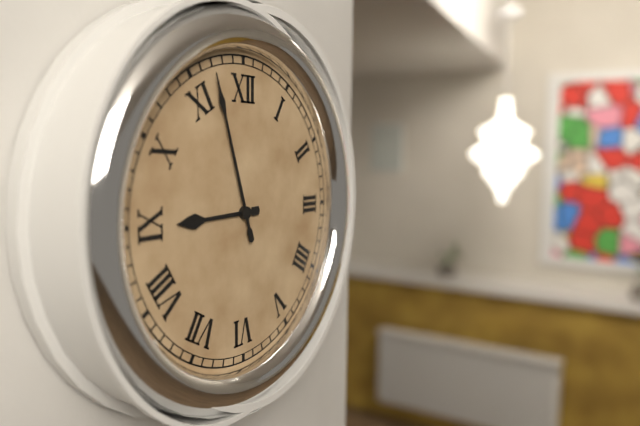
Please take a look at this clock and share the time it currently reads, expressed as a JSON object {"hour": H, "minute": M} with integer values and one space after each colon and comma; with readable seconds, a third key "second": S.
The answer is {"hour": 8, "minute": 57}
